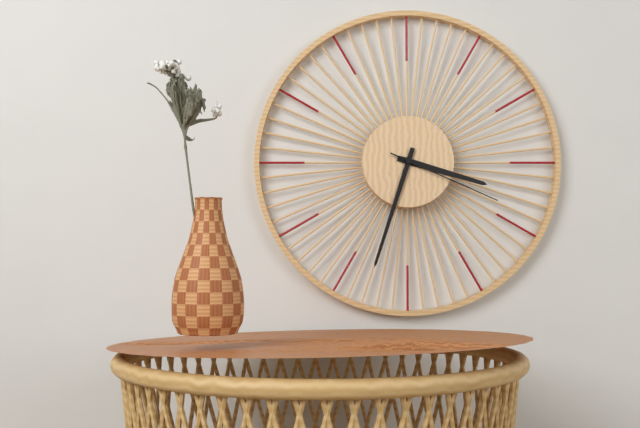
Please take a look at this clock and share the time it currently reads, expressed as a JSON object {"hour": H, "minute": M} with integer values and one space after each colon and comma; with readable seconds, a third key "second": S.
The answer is {"hour": 3, "minute": 33, "second": 19}
